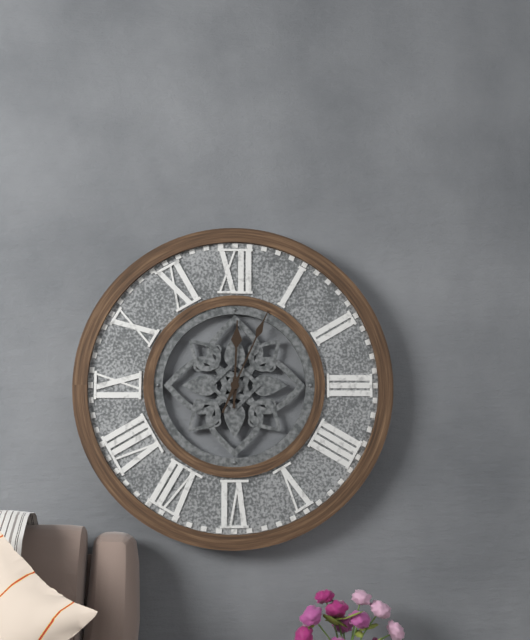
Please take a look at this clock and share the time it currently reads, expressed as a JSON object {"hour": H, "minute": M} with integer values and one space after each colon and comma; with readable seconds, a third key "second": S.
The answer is {"hour": 12, "minute": 4}
